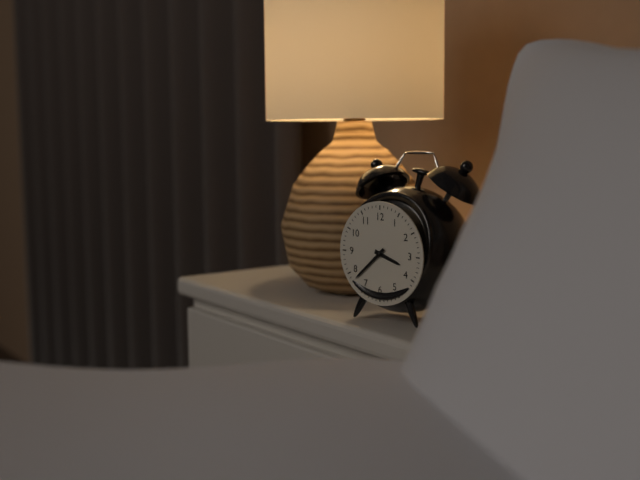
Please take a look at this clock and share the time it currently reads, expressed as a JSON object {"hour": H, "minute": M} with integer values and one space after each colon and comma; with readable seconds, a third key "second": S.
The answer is {"hour": 3, "minute": 38}
